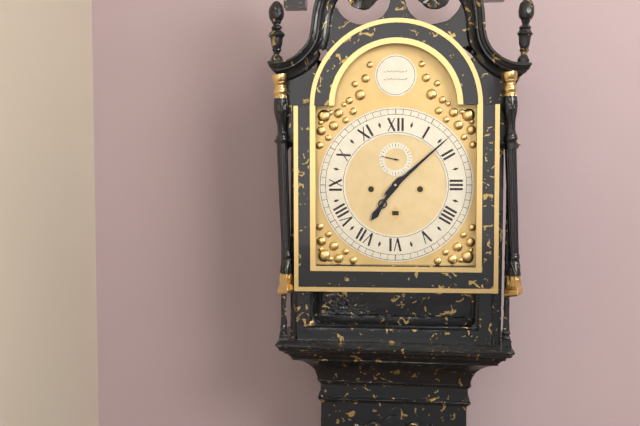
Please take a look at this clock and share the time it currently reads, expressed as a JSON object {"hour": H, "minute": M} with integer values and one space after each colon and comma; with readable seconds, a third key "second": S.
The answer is {"hour": 7, "minute": 8}
